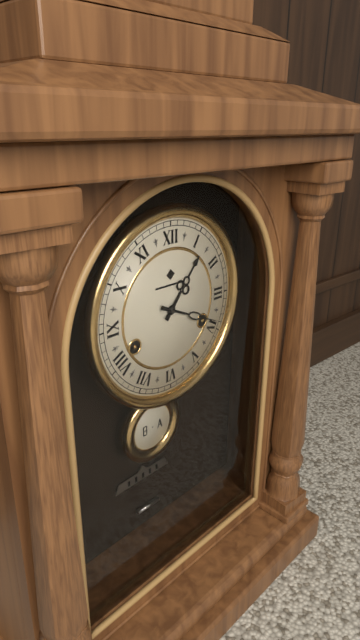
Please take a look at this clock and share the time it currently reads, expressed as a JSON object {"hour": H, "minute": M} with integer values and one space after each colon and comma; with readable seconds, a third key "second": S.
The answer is {"hour": 1, "minute": 19}
